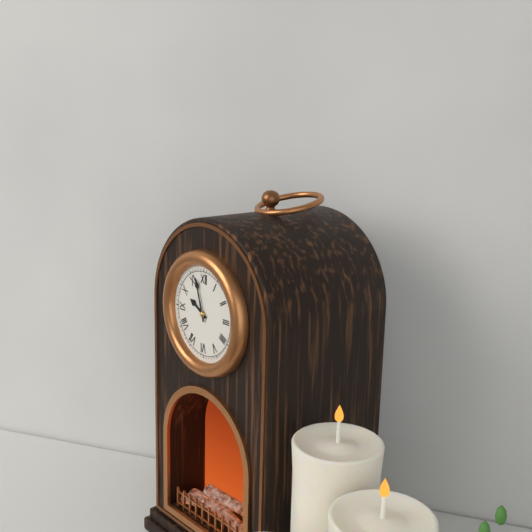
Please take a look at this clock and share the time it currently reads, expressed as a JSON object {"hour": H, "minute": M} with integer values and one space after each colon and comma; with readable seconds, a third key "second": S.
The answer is {"hour": 9, "minute": 57}
